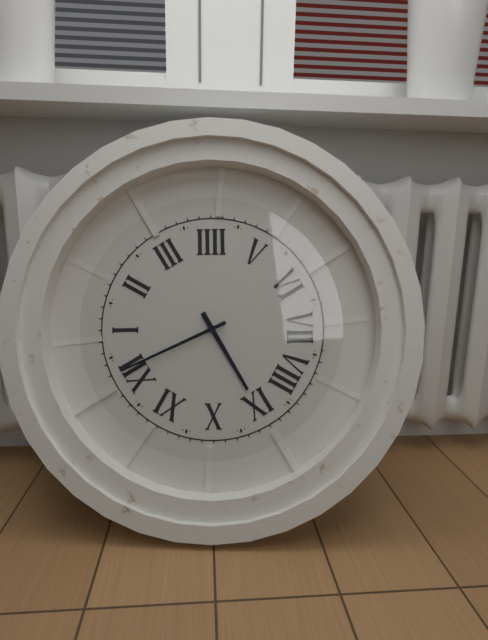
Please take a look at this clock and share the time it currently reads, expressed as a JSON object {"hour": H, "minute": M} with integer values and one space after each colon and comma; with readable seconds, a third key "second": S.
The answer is {"hour": 9, "minute": 1}
